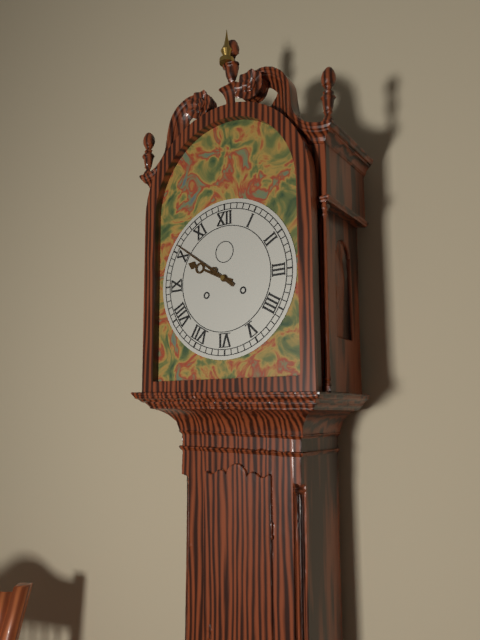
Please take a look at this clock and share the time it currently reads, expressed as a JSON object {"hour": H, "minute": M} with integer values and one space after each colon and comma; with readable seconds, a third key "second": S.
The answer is {"hour": 9, "minute": 51}
